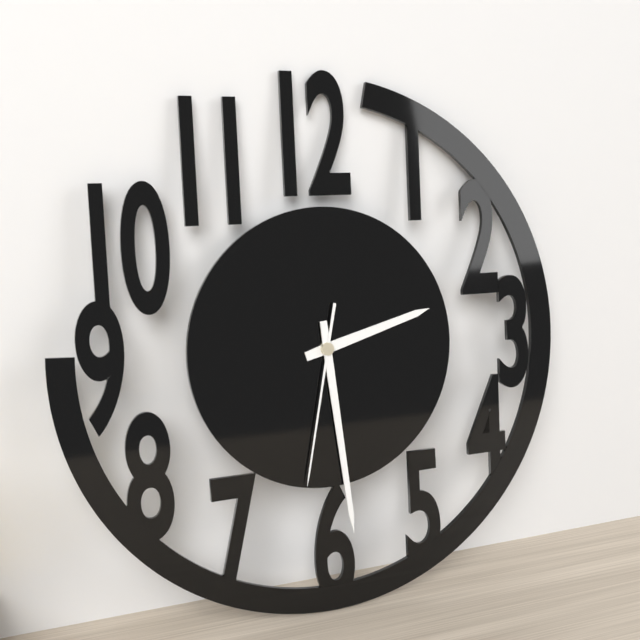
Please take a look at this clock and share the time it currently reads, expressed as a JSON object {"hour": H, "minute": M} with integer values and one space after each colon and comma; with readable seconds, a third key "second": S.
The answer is {"hour": 2, "minute": 29, "second": 32}
